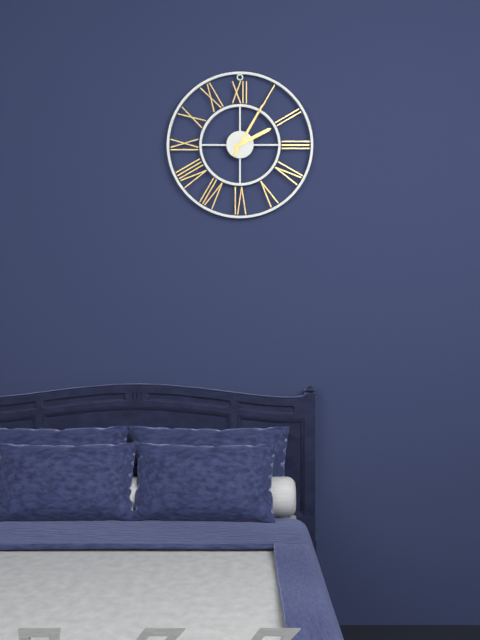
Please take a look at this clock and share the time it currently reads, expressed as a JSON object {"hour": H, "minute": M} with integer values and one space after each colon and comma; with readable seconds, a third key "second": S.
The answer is {"hour": 2, "minute": 5}
